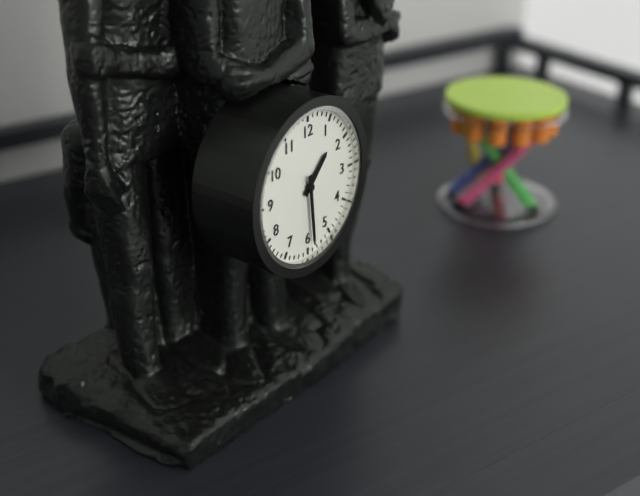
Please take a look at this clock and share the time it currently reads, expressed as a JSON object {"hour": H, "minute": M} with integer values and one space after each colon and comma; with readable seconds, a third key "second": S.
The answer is {"hour": 1, "minute": 29}
